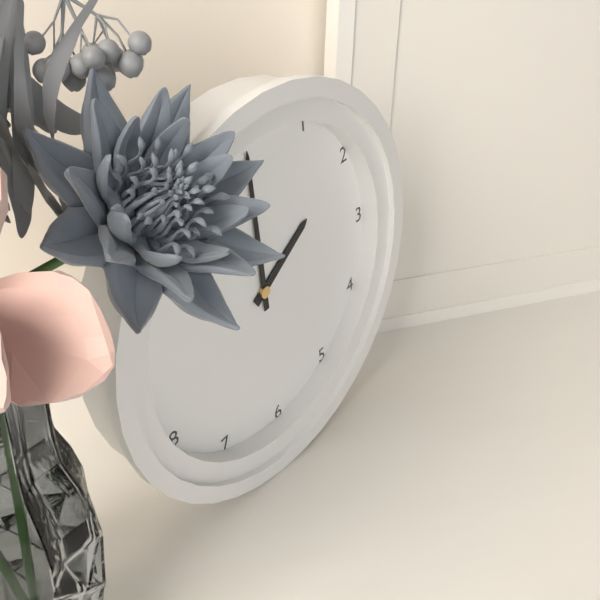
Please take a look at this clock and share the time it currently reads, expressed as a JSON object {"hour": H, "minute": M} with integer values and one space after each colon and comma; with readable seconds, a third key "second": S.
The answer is {"hour": 2, "minute": 0}
